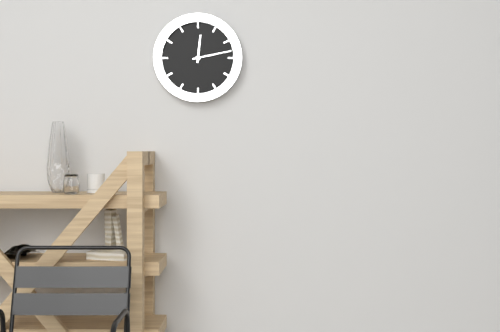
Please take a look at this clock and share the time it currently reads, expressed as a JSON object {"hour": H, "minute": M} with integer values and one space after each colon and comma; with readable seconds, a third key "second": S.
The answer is {"hour": 12, "minute": 13}
